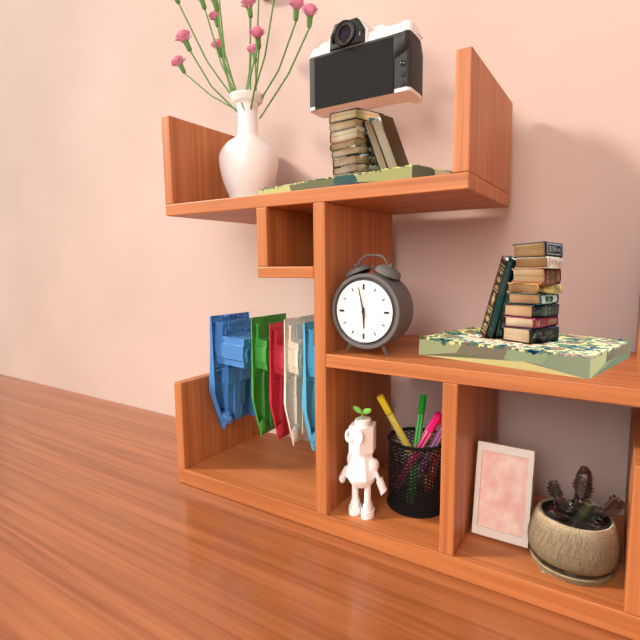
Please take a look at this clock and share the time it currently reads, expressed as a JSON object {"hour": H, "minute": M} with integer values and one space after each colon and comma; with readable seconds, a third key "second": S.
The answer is {"hour": 5, "minute": 58}
